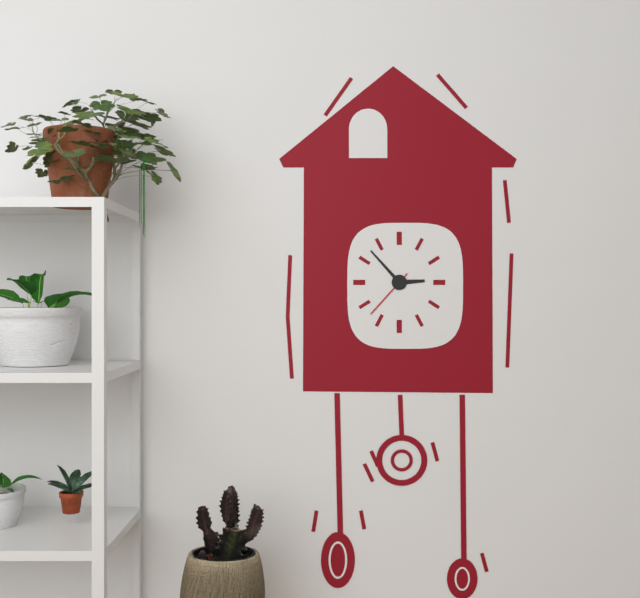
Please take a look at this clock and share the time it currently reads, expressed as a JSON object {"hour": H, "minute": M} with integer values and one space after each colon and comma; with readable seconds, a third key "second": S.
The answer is {"hour": 2, "minute": 53, "second": 37}
